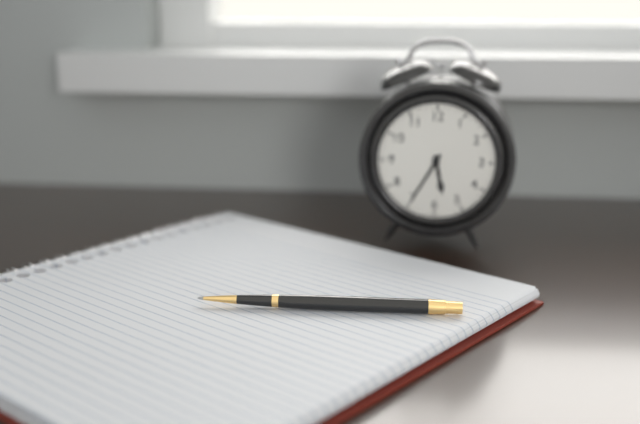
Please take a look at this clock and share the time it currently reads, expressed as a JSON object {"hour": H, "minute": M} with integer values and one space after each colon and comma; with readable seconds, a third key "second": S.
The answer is {"hour": 5, "minute": 35}
